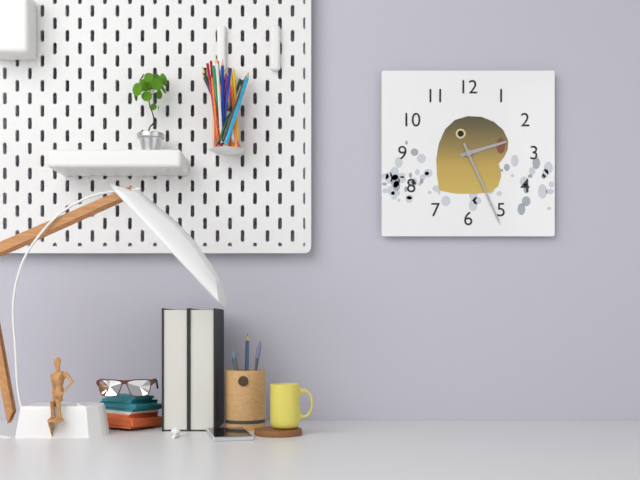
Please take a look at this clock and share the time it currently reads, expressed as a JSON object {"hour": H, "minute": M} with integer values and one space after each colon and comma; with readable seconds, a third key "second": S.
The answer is {"hour": 2, "minute": 26}
